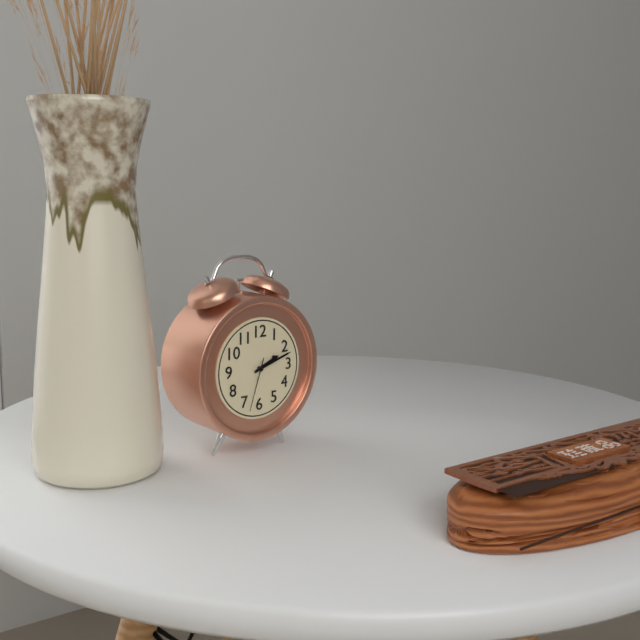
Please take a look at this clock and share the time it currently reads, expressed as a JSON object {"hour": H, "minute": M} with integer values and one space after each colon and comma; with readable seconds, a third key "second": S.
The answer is {"hour": 2, "minute": 12, "second": 33}
